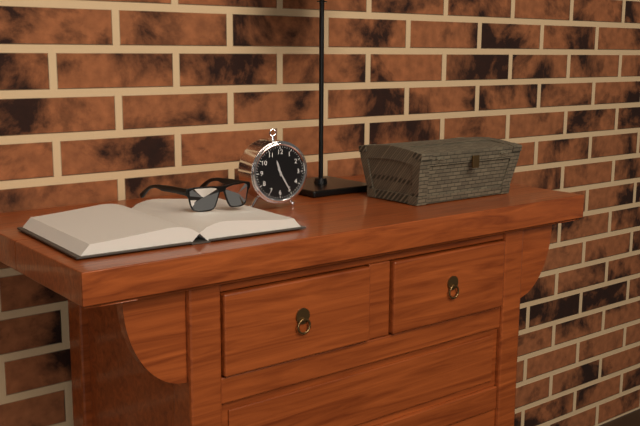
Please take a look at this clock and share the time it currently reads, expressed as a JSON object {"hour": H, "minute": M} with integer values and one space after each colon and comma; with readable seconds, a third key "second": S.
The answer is {"hour": 11, "minute": 25}
